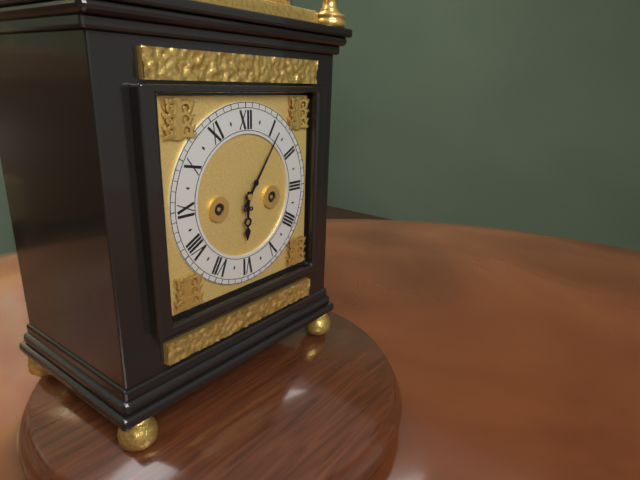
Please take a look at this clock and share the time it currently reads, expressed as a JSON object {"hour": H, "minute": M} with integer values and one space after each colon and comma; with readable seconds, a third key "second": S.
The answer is {"hour": 6, "minute": 6}
